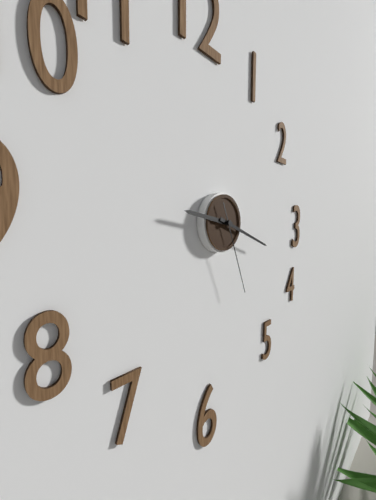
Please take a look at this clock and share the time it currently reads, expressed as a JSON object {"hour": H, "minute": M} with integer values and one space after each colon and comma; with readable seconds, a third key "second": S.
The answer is {"hour": 9, "minute": 18, "second": 26}
